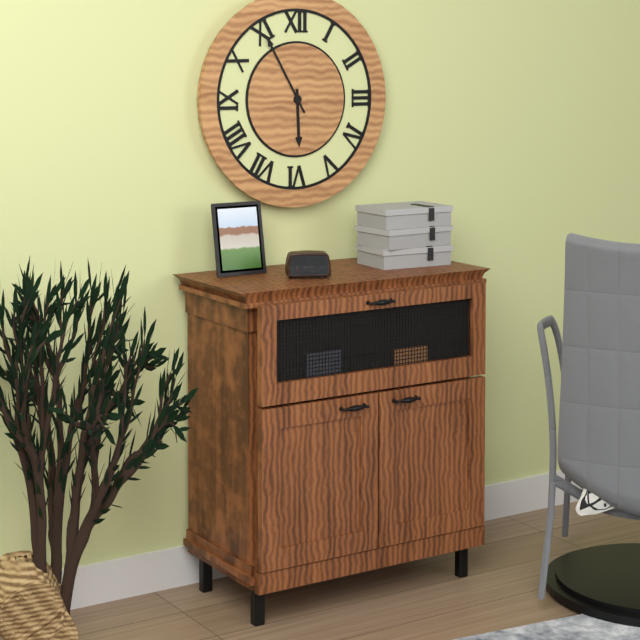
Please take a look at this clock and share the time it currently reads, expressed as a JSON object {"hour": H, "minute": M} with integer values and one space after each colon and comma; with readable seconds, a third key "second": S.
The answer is {"hour": 5, "minute": 55}
